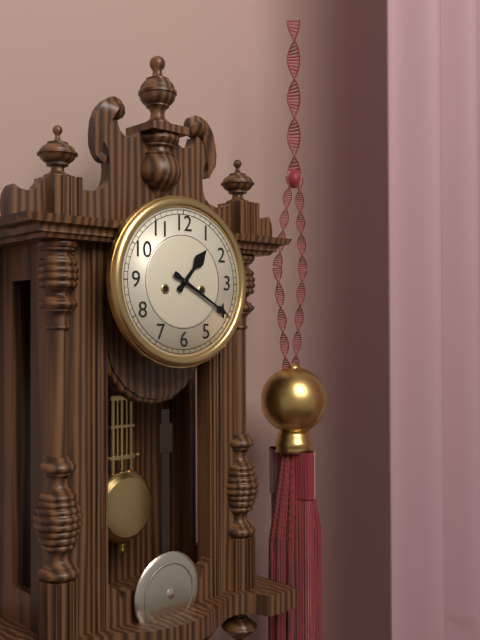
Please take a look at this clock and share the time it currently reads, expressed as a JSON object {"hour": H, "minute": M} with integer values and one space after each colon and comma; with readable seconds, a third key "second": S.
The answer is {"hour": 1, "minute": 20}
